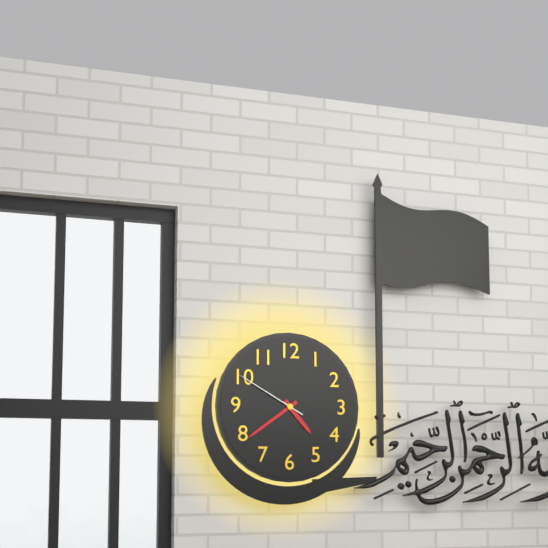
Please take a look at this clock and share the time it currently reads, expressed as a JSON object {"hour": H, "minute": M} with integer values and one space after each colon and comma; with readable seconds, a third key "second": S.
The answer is {"hour": 4, "minute": 39, "second": 50}
